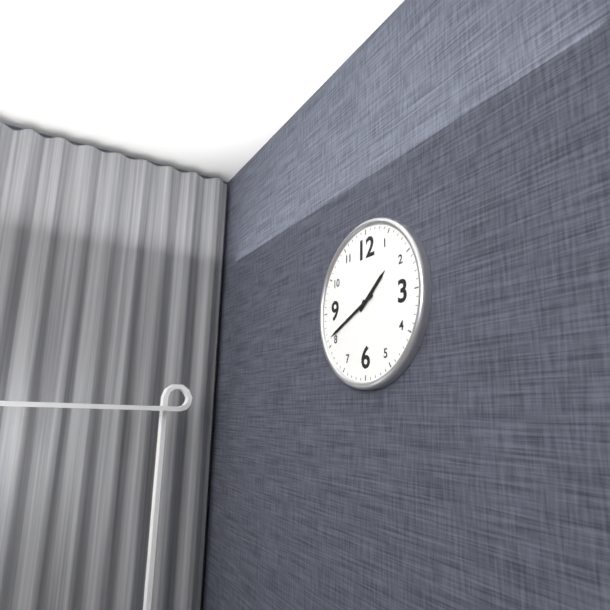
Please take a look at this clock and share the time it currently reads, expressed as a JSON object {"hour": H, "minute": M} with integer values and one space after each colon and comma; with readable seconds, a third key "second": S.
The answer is {"hour": 1, "minute": 41}
